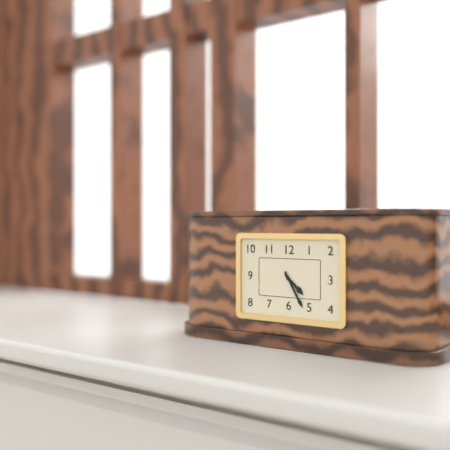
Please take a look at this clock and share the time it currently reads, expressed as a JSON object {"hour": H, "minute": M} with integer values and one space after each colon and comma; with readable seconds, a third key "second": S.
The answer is {"hour": 4, "minute": 25}
